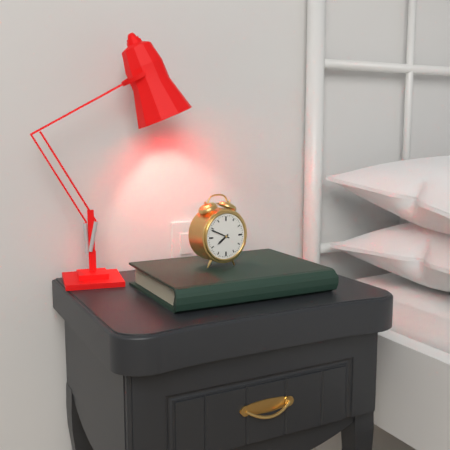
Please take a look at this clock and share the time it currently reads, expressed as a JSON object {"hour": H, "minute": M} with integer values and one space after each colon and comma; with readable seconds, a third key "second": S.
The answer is {"hour": 7, "minute": 49}
